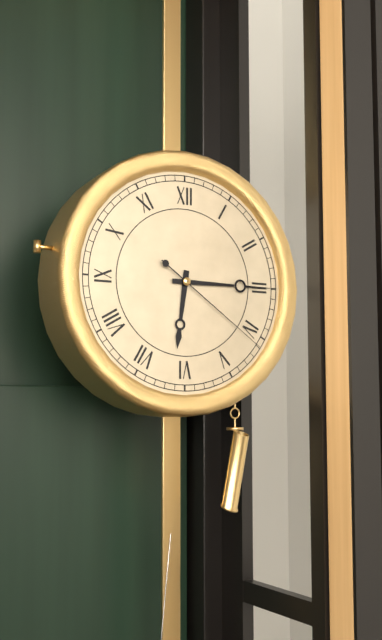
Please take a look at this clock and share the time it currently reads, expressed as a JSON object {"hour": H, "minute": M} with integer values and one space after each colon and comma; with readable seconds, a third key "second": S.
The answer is {"hour": 6, "minute": 15, "second": 21}
